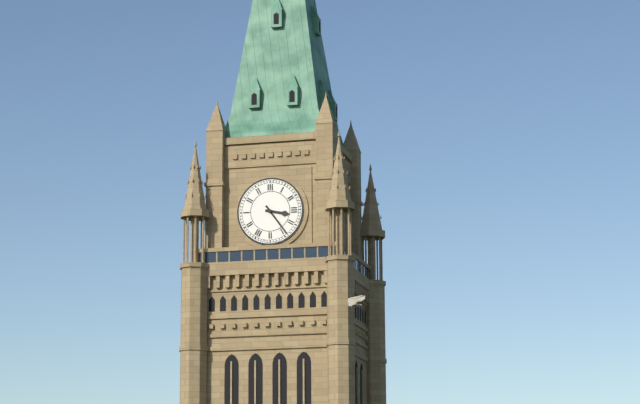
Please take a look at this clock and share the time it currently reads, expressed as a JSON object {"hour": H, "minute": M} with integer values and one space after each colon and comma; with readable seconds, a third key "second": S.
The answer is {"hour": 3, "minute": 24}
